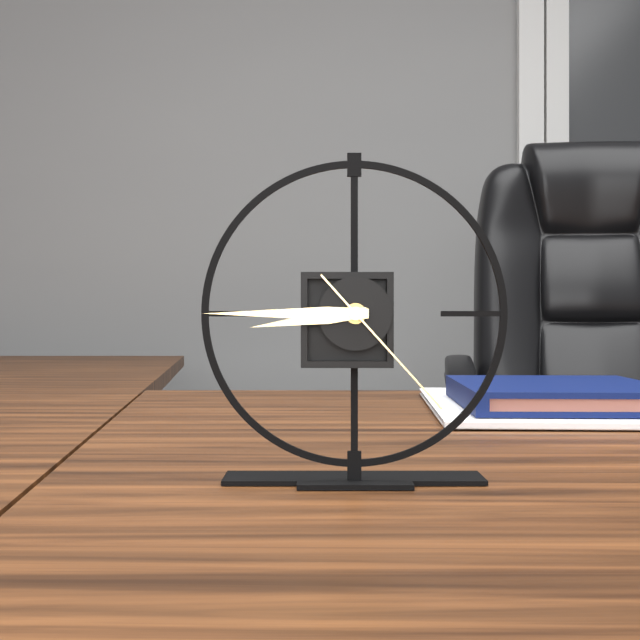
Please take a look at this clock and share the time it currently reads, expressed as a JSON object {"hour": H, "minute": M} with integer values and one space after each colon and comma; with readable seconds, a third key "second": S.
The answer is {"hour": 8, "minute": 45, "second": 23}
